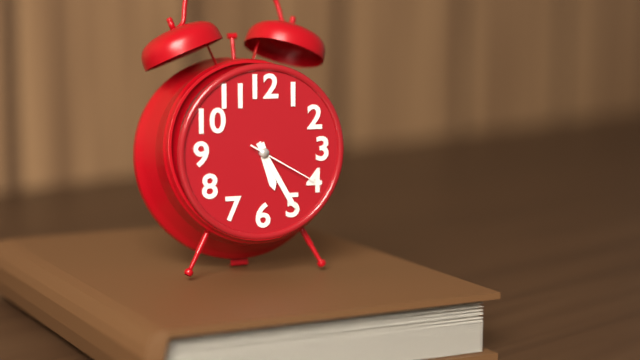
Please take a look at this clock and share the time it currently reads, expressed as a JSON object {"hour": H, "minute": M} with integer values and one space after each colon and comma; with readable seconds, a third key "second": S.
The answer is {"hour": 5, "minute": 25, "second": 20}
